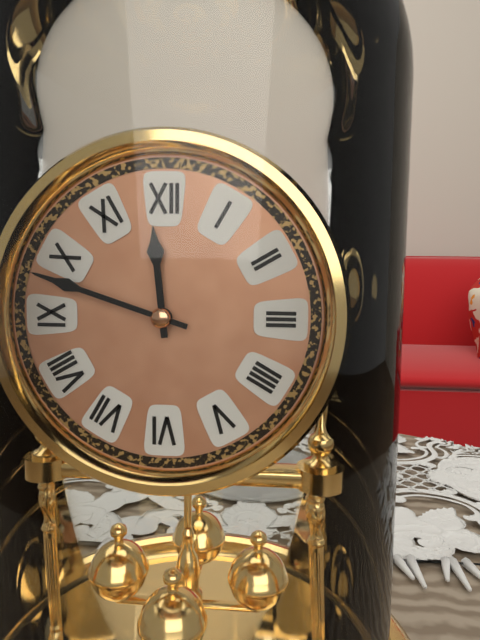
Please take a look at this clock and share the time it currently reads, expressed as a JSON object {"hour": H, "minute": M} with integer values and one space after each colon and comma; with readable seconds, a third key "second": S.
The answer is {"hour": 11, "minute": 48}
